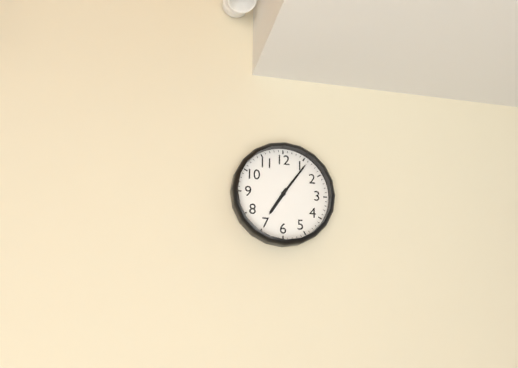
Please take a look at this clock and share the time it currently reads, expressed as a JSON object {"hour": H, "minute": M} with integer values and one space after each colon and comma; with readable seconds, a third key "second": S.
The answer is {"hour": 7, "minute": 6}
